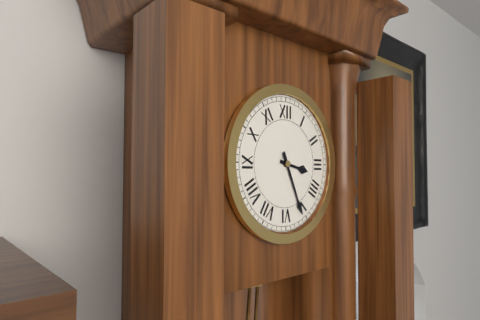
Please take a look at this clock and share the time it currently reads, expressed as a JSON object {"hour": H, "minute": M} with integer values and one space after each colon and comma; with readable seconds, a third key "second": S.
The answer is {"hour": 3, "minute": 26}
